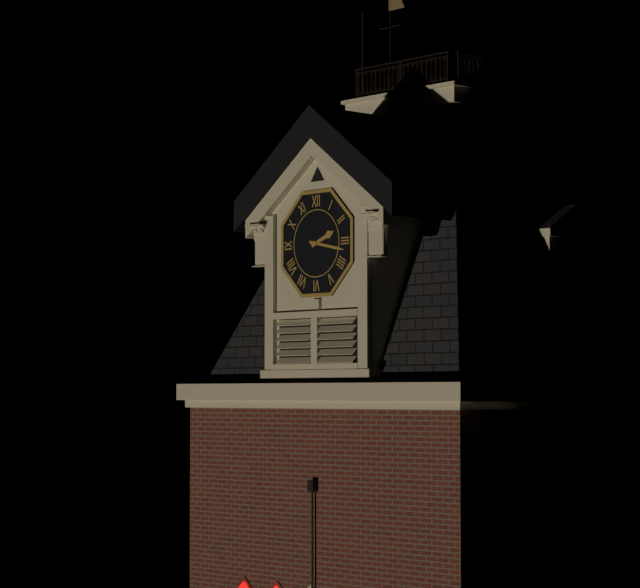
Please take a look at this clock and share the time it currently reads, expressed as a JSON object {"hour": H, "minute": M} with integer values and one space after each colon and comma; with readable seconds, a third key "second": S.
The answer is {"hour": 2, "minute": 17}
